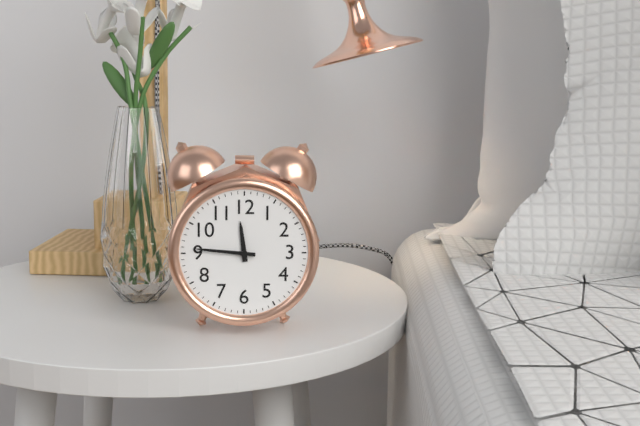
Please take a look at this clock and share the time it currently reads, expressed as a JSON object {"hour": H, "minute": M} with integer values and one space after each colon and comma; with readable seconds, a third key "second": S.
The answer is {"hour": 11, "minute": 46}
